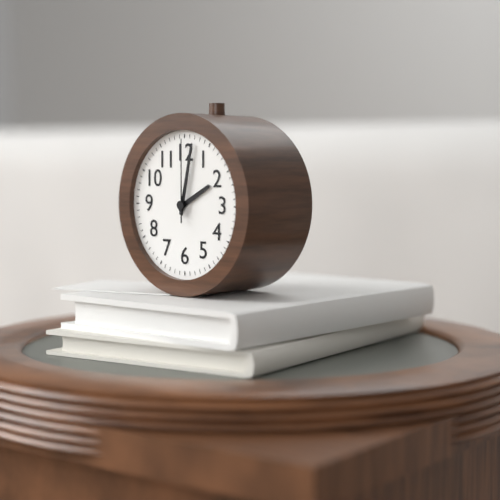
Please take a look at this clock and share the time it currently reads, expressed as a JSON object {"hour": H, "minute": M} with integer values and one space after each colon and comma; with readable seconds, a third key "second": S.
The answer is {"hour": 2, "minute": 2, "second": 0}
